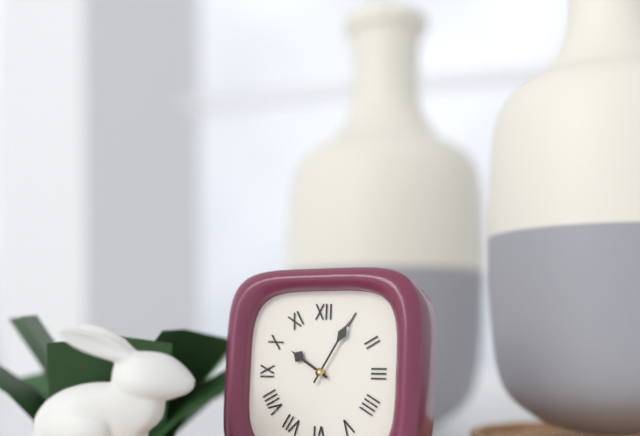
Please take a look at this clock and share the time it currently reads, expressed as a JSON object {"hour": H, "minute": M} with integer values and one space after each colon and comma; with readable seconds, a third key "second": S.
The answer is {"hour": 10, "minute": 5}
